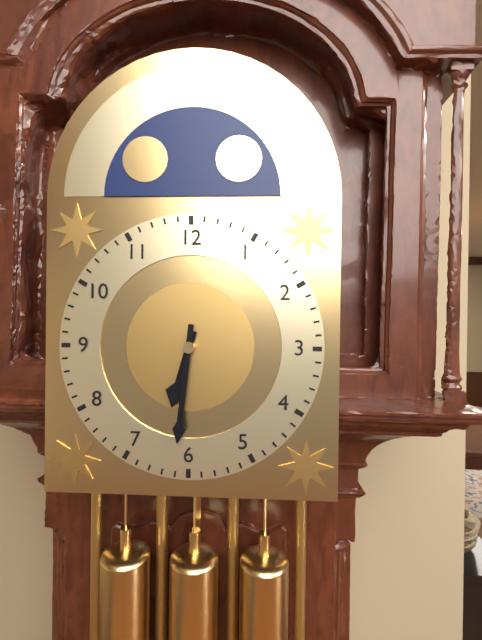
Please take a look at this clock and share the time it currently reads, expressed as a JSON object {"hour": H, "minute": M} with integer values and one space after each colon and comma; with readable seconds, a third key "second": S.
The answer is {"hour": 6, "minute": 31}
